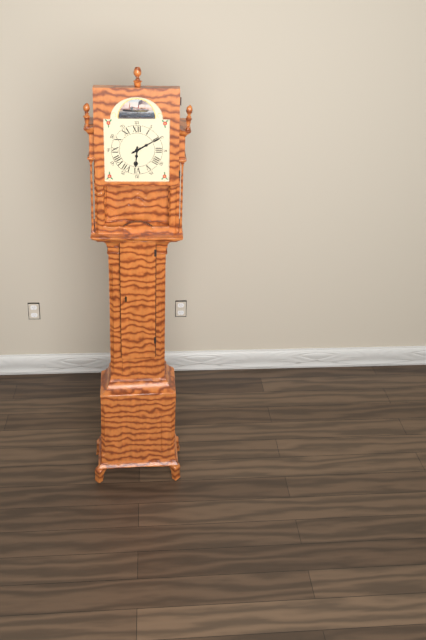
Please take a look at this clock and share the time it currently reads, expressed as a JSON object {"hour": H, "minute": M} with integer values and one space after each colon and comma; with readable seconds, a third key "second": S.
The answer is {"hour": 6, "minute": 10}
